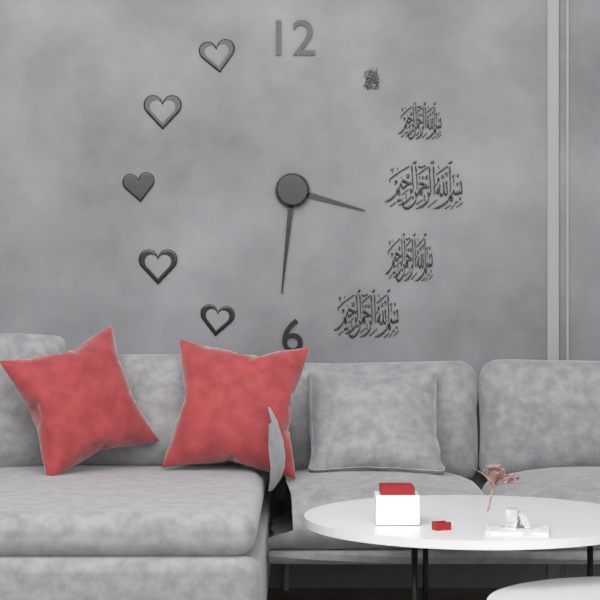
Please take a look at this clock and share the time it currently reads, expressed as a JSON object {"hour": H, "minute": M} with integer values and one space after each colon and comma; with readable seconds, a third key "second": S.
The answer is {"hour": 3, "minute": 31}
